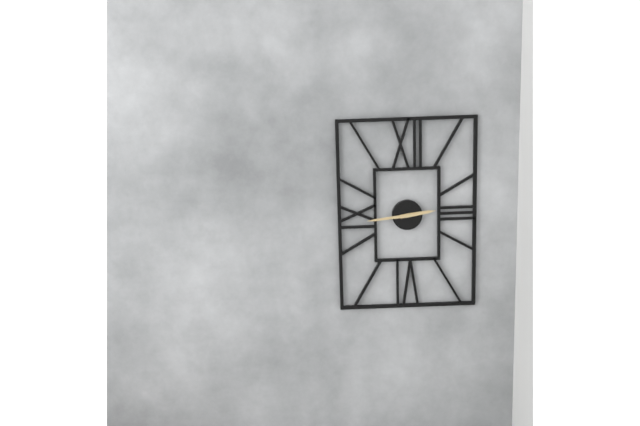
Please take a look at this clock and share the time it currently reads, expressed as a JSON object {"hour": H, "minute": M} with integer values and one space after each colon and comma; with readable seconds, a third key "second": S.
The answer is {"hour": 2, "minute": 44}
